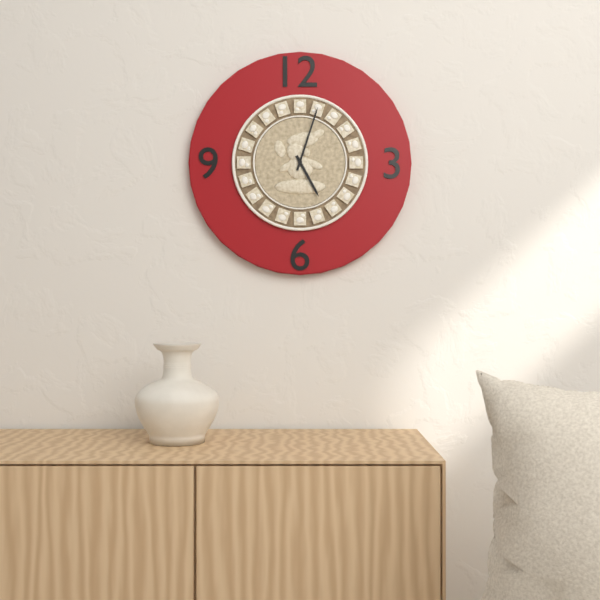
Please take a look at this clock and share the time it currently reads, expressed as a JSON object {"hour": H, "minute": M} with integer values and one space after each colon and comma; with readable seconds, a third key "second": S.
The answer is {"hour": 5, "minute": 3}
